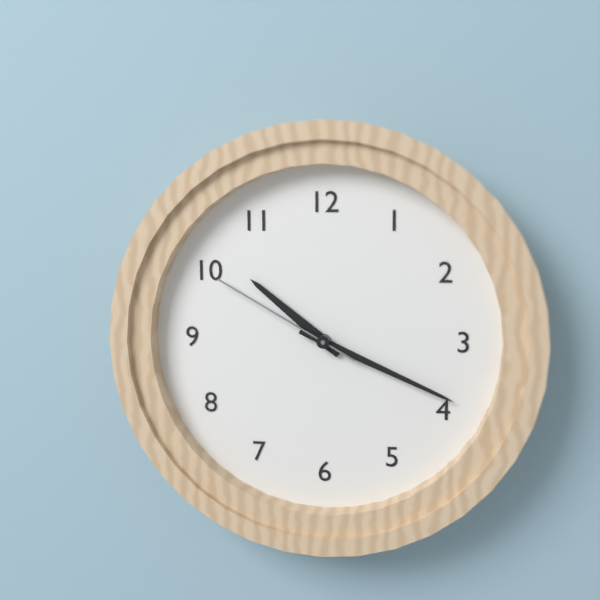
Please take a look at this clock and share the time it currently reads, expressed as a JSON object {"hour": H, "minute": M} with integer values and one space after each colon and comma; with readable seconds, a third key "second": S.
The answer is {"hour": 10, "minute": 19, "second": 50}
